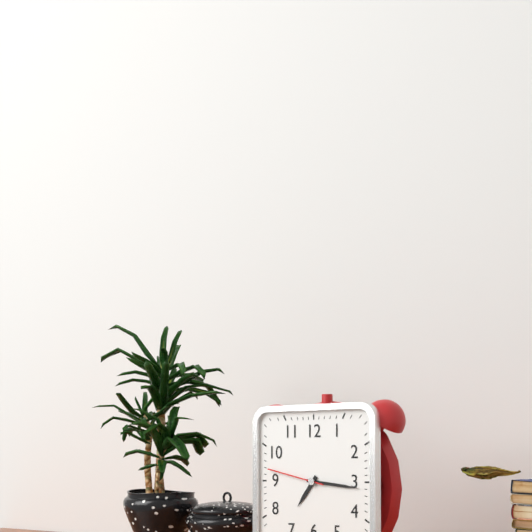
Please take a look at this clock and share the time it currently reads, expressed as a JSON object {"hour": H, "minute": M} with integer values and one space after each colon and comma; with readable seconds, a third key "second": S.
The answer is {"hour": 7, "minute": 16, "second": 47}
